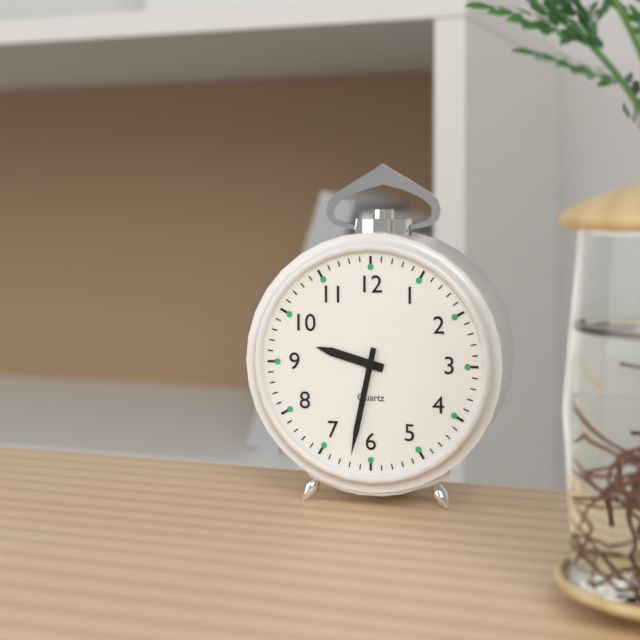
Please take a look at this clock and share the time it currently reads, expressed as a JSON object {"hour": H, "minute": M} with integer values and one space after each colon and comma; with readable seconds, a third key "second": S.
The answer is {"hour": 9, "minute": 32}
